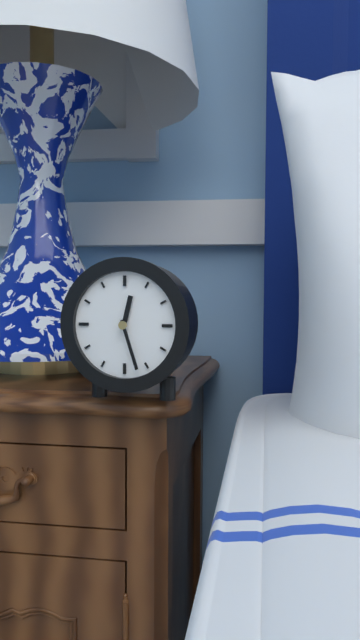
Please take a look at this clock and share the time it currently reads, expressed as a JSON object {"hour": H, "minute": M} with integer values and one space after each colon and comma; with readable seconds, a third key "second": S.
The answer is {"hour": 12, "minute": 27}
